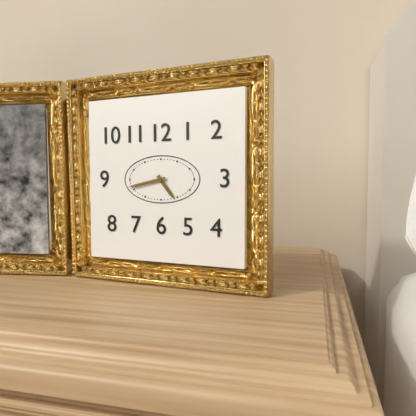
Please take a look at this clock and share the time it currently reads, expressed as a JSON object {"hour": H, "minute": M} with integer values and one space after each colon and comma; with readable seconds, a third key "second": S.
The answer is {"hour": 4, "minute": 43}
